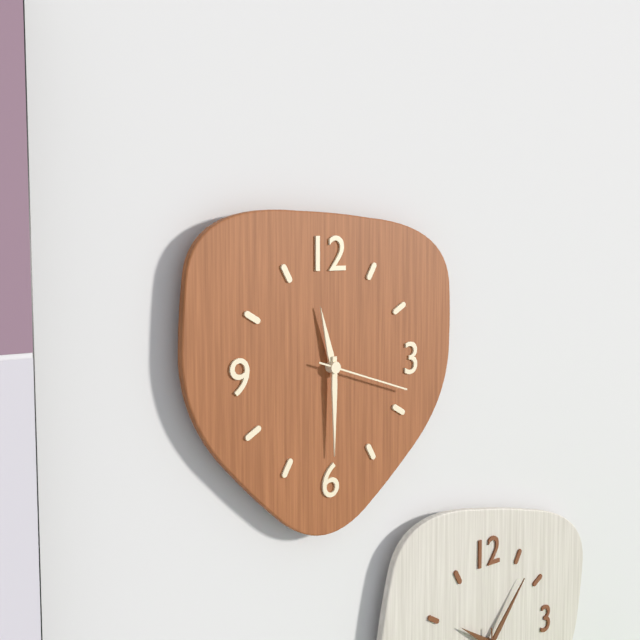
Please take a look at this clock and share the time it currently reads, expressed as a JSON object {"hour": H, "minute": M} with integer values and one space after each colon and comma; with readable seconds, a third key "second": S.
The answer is {"hour": 11, "minute": 30, "second": 18}
